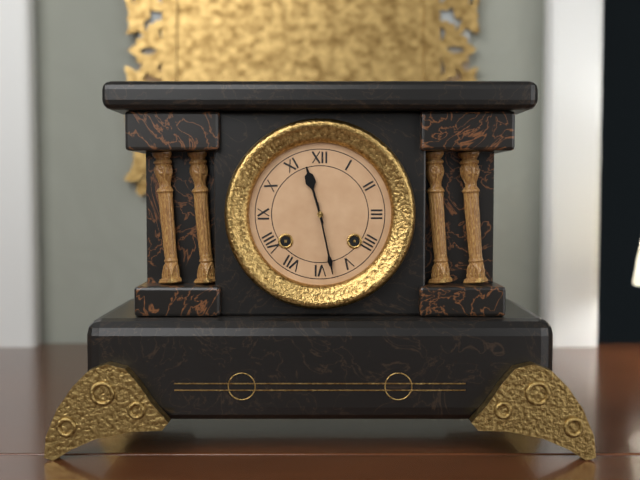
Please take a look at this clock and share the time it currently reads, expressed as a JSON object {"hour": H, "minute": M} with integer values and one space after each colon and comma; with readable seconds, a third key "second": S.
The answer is {"hour": 11, "minute": 28}
